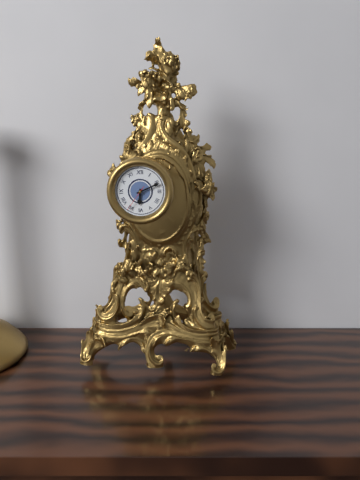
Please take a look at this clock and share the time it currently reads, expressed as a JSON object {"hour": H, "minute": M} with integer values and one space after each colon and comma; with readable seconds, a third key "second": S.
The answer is {"hour": 6, "minute": 11}
